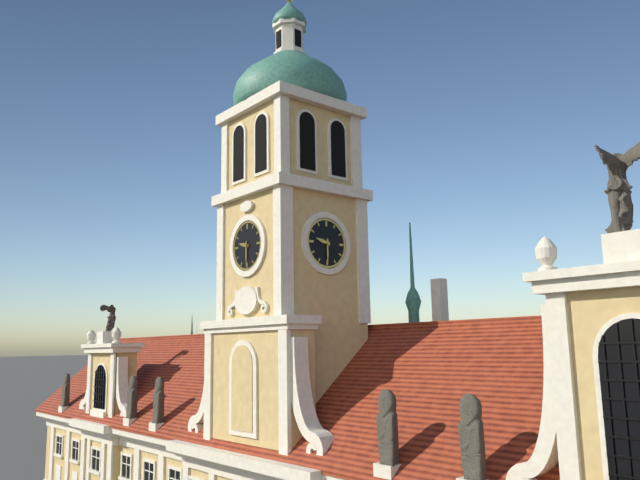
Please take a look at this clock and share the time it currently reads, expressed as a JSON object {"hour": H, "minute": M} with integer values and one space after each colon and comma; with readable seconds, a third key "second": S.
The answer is {"hour": 9, "minute": 30}
